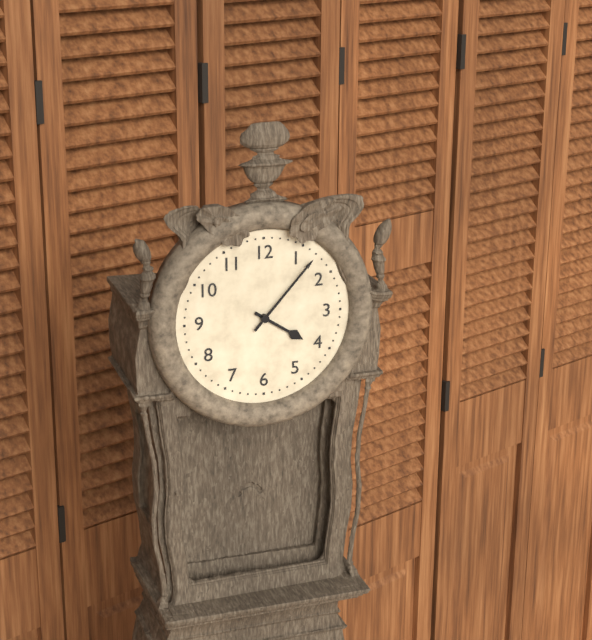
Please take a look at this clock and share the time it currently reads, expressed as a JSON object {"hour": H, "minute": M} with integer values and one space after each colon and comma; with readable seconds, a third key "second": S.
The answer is {"hour": 4, "minute": 7}
